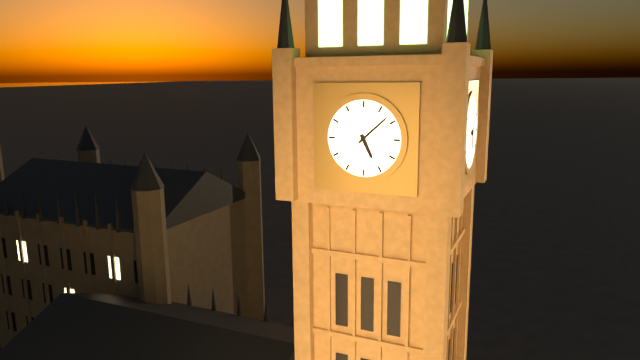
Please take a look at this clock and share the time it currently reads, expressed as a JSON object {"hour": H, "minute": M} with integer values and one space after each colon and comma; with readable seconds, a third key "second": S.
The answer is {"hour": 5, "minute": 8}
